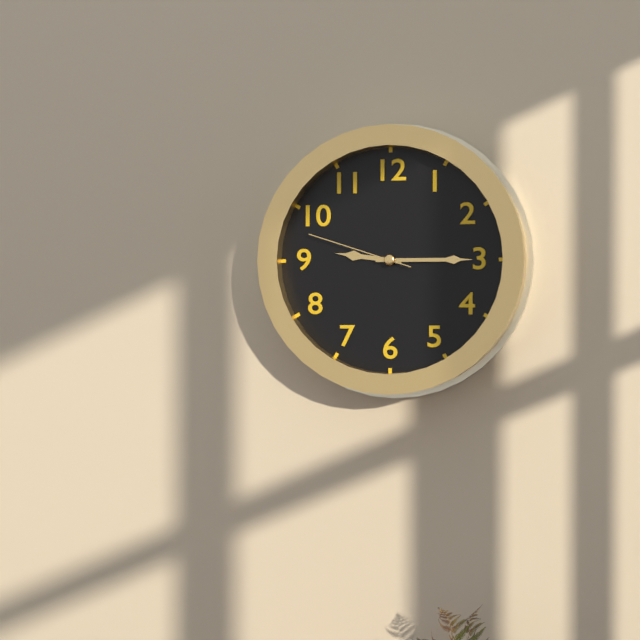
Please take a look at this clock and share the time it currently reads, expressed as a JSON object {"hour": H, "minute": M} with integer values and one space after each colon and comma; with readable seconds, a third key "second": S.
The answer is {"hour": 9, "minute": 15, "second": 48}
